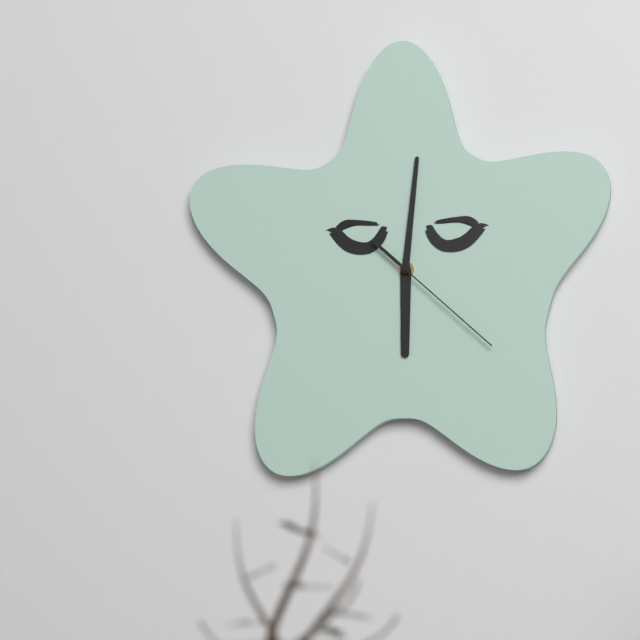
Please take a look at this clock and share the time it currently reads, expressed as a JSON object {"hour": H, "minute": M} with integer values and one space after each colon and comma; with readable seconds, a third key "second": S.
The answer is {"hour": 6, "minute": 1, "second": 22}
